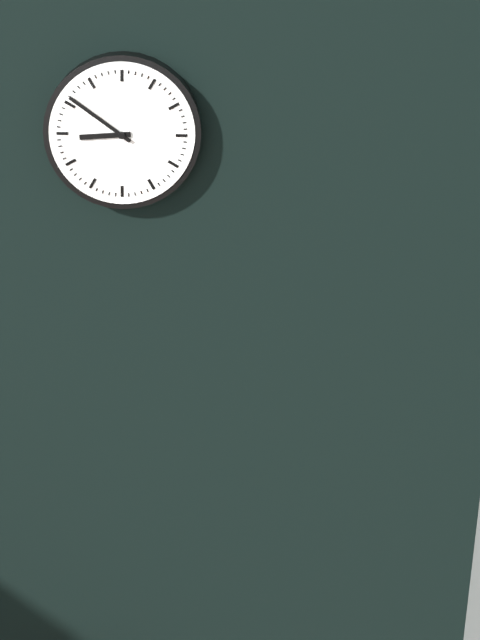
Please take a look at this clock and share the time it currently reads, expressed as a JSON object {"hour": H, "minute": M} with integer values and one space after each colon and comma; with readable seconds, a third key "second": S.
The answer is {"hour": 8, "minute": 51}
